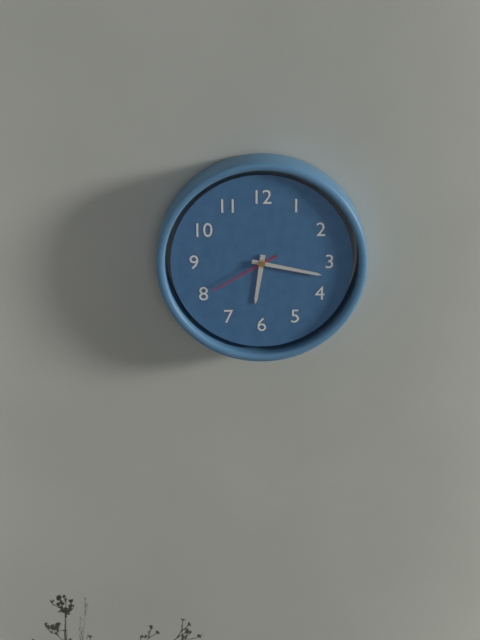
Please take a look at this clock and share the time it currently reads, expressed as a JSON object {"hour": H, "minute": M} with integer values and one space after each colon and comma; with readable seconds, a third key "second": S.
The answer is {"hour": 6, "minute": 17, "second": 40}
